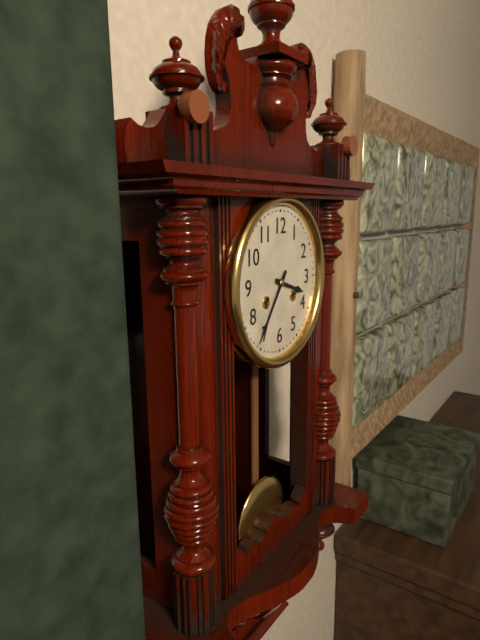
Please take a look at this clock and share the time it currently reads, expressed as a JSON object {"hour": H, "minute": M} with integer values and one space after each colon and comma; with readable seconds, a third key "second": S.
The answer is {"hour": 3, "minute": 36}
